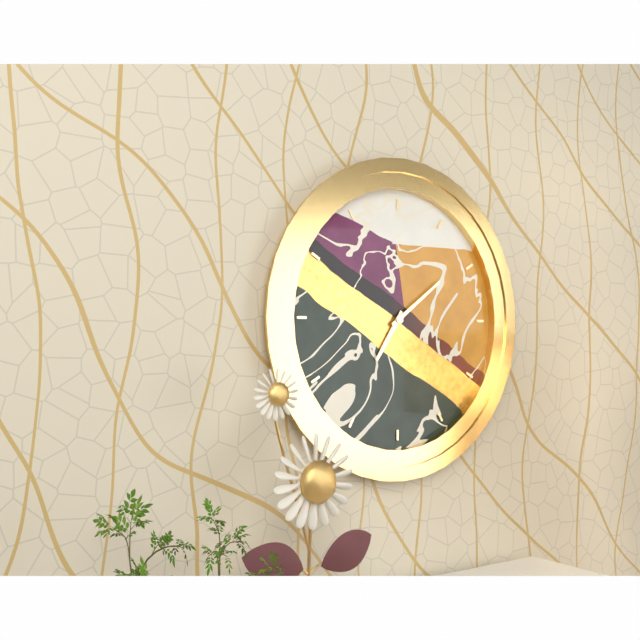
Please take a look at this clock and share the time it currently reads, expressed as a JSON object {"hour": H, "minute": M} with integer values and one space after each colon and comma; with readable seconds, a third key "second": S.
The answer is {"hour": 7, "minute": 9}
